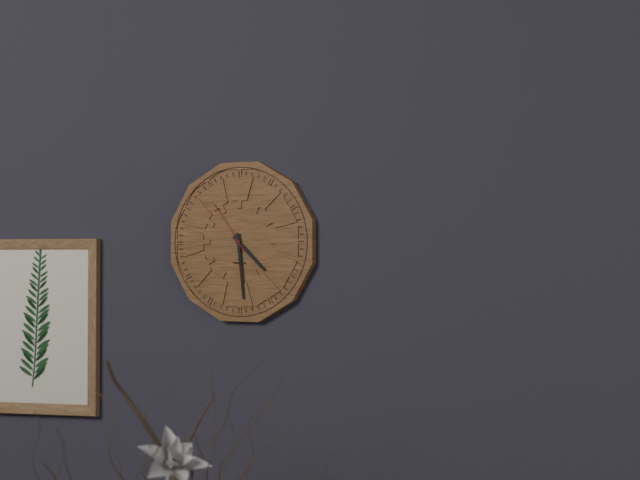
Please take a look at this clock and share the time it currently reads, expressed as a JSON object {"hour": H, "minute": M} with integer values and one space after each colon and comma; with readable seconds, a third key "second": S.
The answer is {"hour": 4, "minute": 29, "second": 54}
